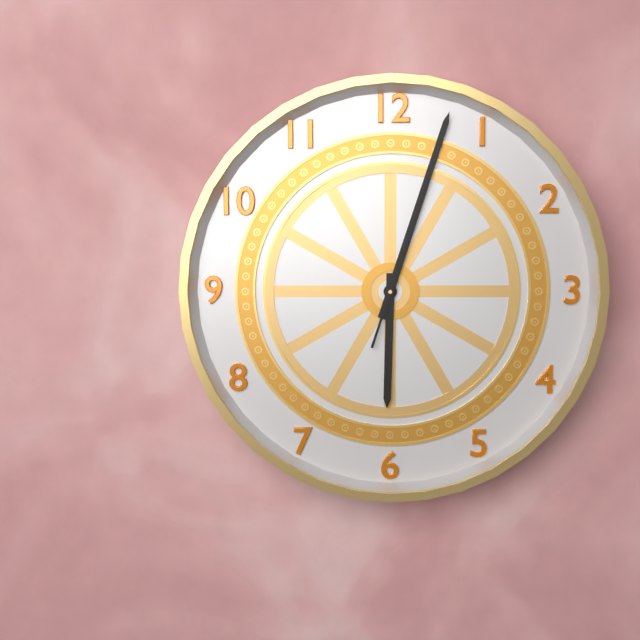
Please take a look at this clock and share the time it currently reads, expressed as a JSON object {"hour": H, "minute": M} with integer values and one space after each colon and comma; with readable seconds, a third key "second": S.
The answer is {"hour": 6, "minute": 3, "second": 3}
